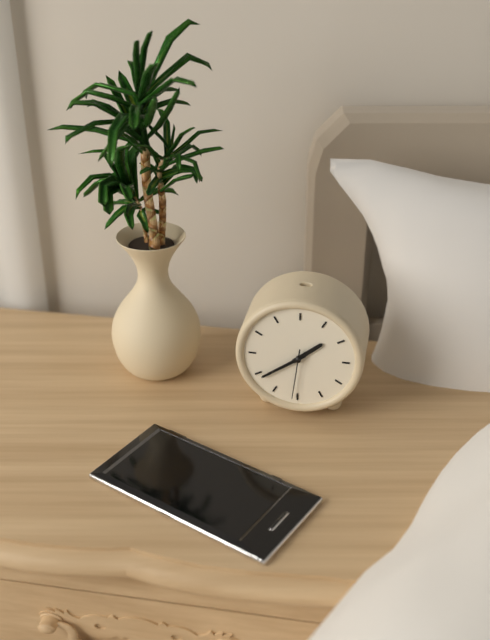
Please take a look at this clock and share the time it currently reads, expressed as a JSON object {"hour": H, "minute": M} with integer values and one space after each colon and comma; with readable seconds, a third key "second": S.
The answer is {"hour": 1, "minute": 39, "second": 31}
